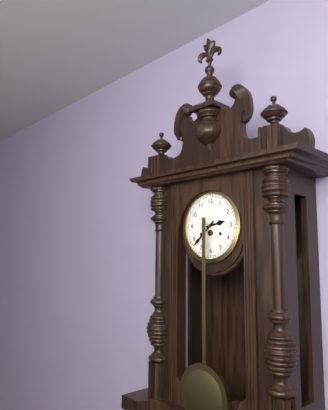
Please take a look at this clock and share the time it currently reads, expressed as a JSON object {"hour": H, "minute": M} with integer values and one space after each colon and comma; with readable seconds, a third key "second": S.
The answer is {"hour": 2, "minute": 38}
